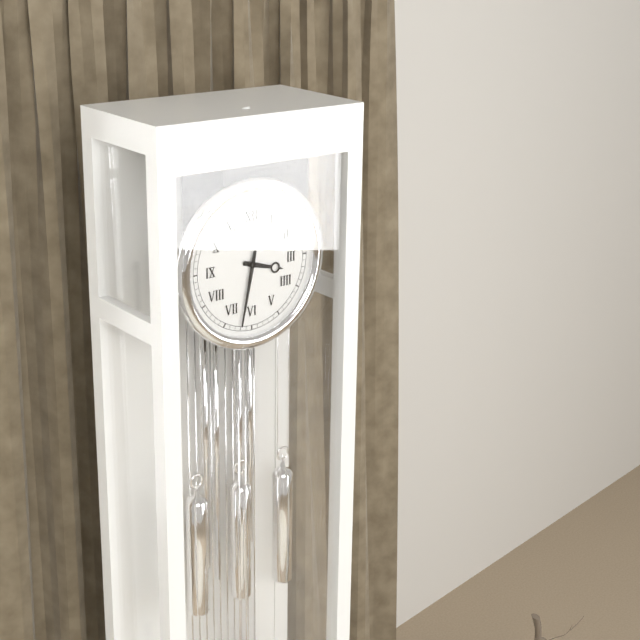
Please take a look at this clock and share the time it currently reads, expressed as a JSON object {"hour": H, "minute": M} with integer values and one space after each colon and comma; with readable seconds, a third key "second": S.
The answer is {"hour": 3, "minute": 32}
